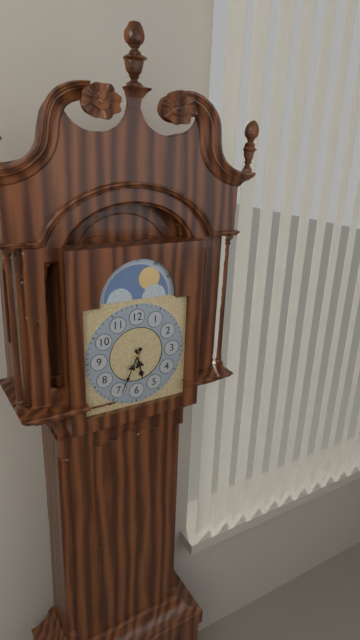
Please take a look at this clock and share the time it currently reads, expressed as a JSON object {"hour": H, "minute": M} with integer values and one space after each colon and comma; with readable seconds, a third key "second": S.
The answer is {"hour": 5, "minute": 34}
